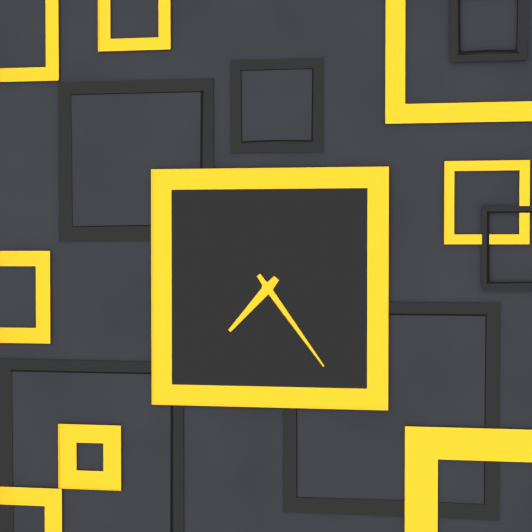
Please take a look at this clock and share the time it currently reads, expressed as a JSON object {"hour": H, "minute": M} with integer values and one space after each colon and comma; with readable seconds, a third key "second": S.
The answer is {"hour": 7, "minute": 24}
